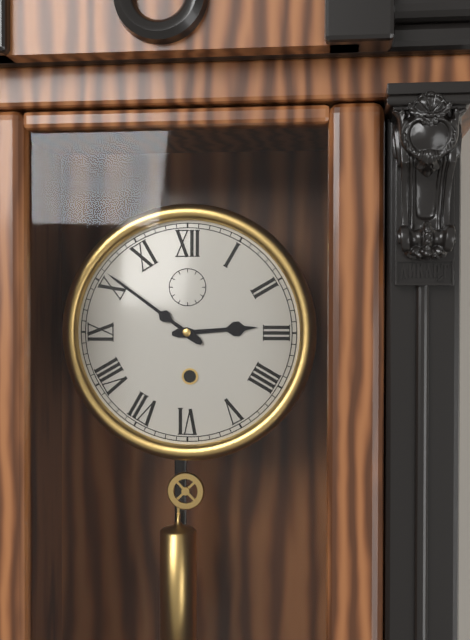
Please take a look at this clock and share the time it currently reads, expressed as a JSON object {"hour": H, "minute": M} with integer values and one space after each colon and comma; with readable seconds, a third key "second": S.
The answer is {"hour": 2, "minute": 51}
